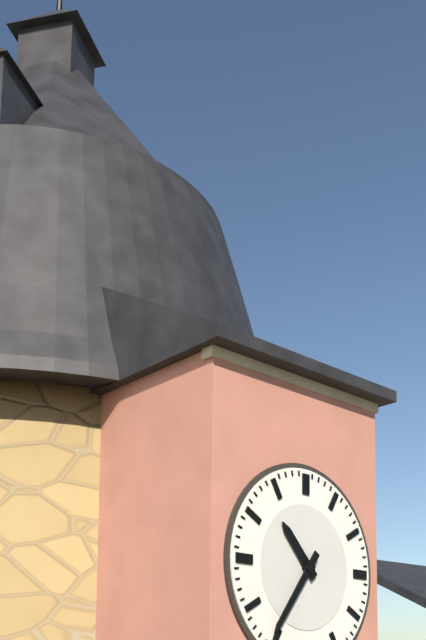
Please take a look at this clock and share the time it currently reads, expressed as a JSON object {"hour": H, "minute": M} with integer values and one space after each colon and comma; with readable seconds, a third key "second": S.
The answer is {"hour": 10, "minute": 36}
